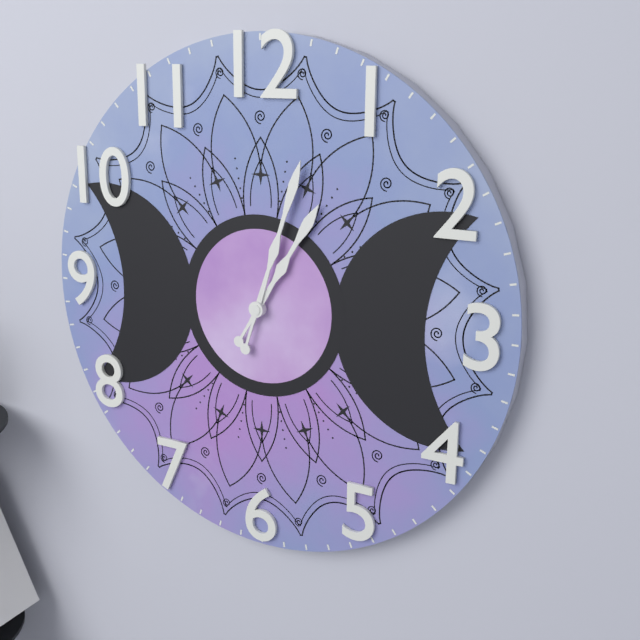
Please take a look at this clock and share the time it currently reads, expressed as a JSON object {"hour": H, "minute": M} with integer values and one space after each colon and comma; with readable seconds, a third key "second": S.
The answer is {"hour": 1, "minute": 3}
